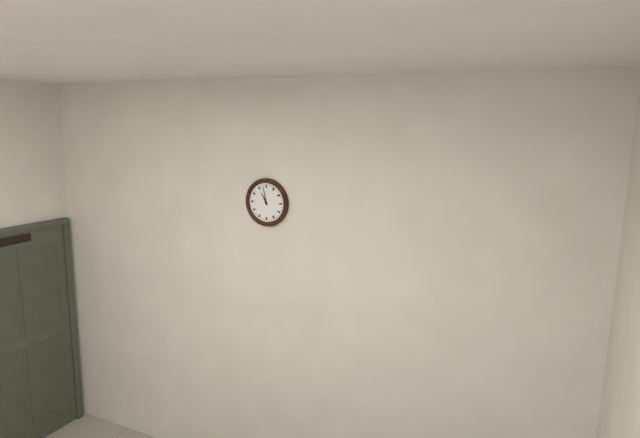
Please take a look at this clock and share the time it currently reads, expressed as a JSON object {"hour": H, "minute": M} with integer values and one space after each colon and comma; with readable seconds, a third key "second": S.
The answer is {"hour": 10, "minute": 58}
